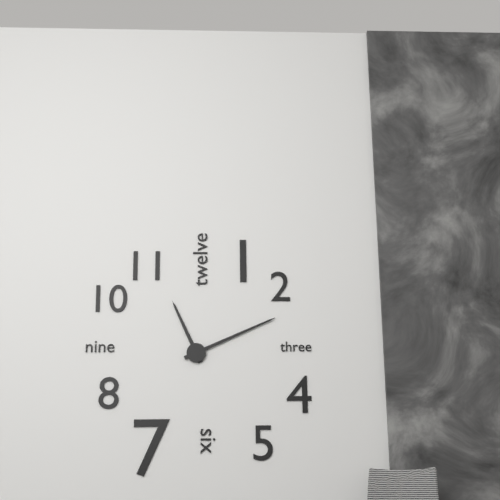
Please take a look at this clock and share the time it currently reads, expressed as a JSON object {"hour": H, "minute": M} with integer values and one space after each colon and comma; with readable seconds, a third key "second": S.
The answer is {"hour": 11, "minute": 11}
